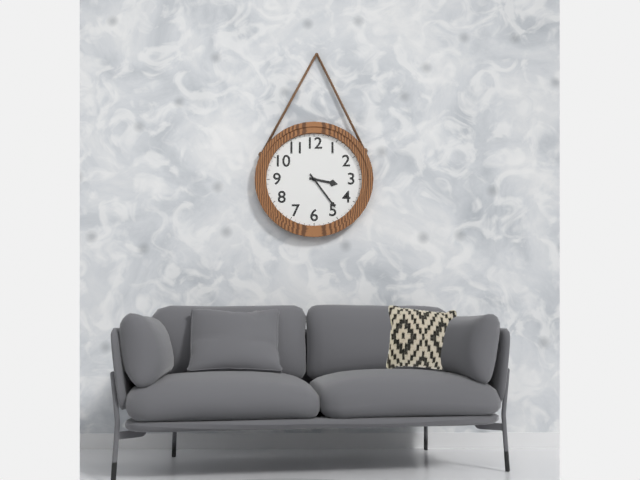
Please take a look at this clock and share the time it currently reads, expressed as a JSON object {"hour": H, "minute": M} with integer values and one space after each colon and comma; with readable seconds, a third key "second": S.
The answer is {"hour": 3, "minute": 24}
